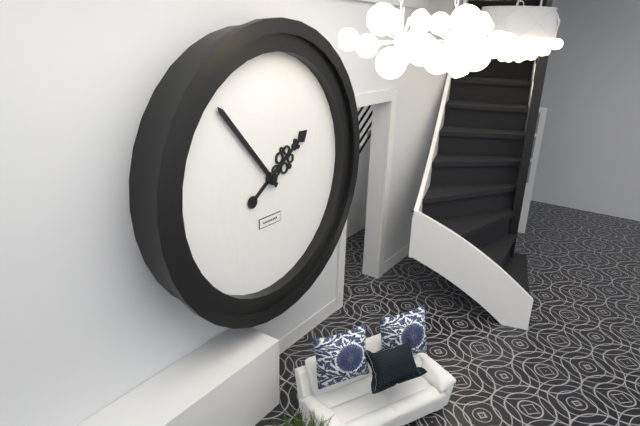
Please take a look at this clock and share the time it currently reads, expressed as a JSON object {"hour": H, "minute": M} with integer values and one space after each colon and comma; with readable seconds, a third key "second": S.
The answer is {"hour": 1, "minute": 53}
